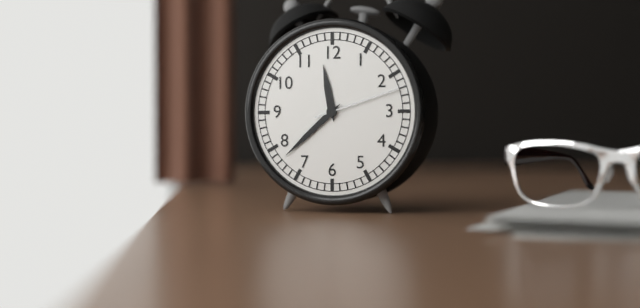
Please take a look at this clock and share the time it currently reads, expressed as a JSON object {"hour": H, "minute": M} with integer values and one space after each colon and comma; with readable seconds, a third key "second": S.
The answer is {"hour": 11, "minute": 38, "second": 12}
